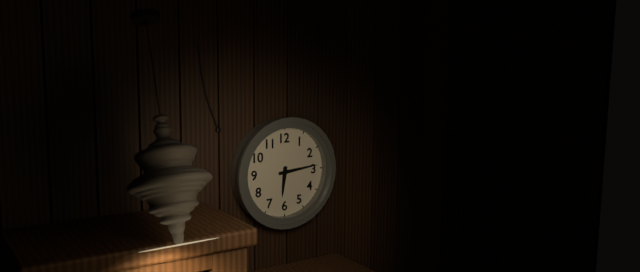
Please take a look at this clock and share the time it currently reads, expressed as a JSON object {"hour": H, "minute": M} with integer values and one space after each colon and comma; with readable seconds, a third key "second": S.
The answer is {"hour": 6, "minute": 14}
